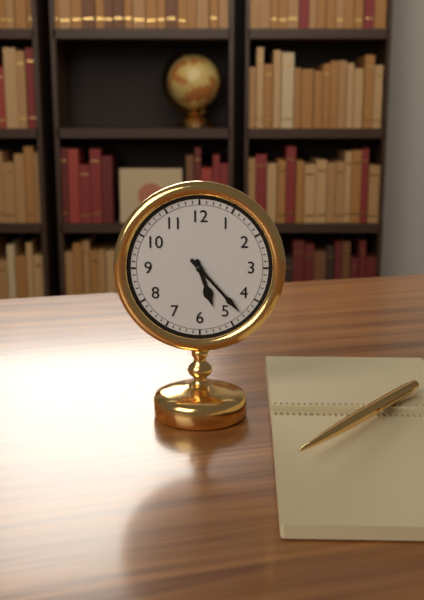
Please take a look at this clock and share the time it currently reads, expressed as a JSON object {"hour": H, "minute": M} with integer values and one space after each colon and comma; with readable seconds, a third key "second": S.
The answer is {"hour": 5, "minute": 23}
